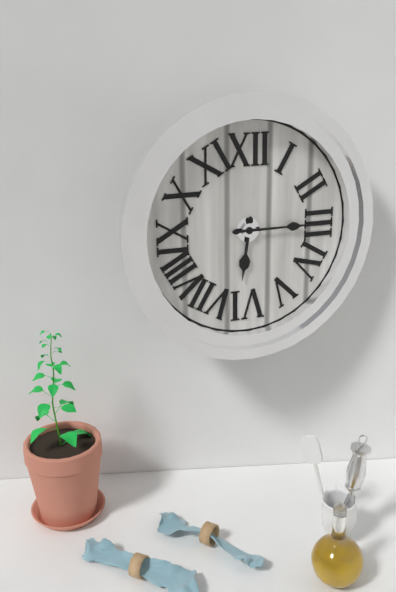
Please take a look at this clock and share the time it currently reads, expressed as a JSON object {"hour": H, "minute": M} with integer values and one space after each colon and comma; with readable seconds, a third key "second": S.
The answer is {"hour": 6, "minute": 15}
